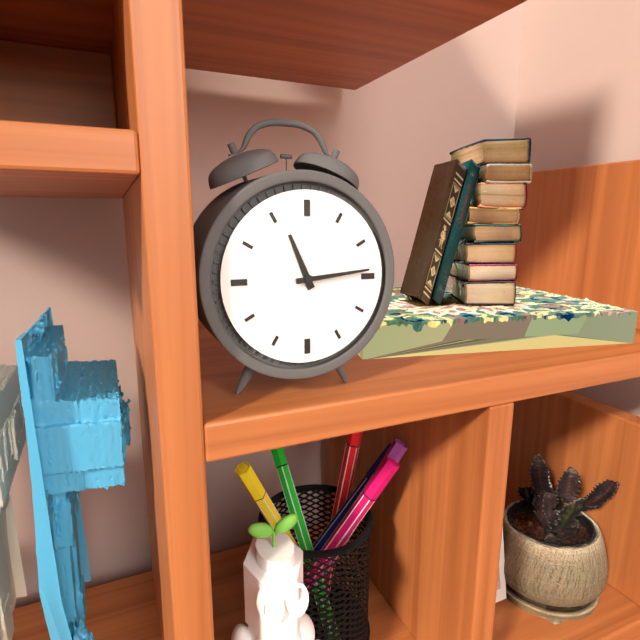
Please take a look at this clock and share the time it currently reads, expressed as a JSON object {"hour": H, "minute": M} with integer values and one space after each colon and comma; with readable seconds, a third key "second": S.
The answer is {"hour": 11, "minute": 14}
